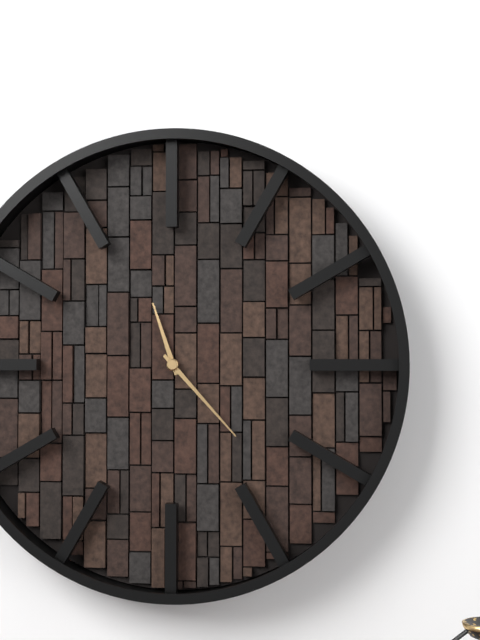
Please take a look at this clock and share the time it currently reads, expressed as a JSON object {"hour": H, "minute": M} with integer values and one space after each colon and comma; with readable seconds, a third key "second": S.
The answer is {"hour": 11, "minute": 23}
